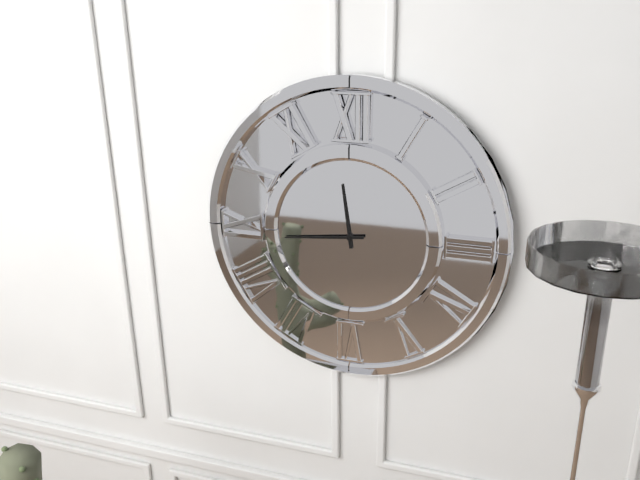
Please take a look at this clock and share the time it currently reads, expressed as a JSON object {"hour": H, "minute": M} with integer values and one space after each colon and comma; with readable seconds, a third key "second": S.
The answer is {"hour": 11, "minute": 44}
